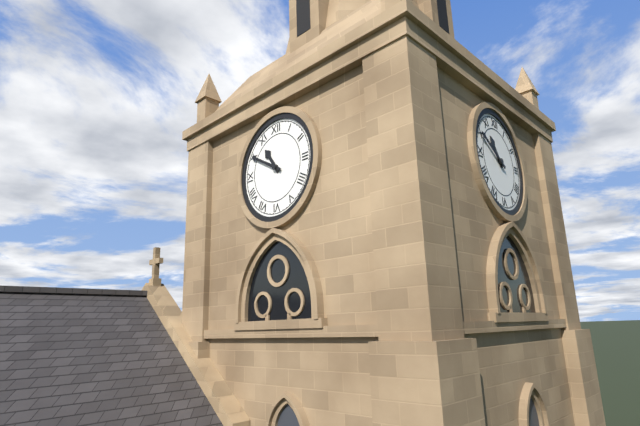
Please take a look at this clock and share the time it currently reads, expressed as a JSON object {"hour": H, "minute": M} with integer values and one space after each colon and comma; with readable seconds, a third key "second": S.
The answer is {"hour": 10, "minute": 50}
